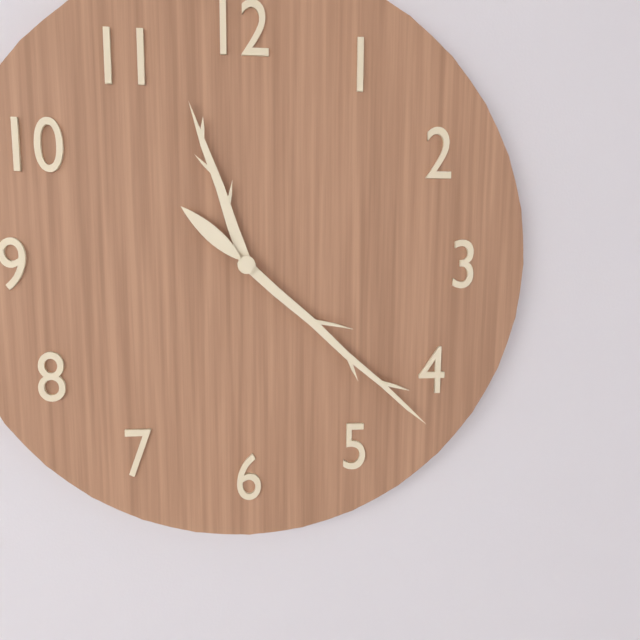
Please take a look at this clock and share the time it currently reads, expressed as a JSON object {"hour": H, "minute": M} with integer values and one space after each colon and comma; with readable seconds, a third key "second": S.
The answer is {"hour": 11, "minute": 22}
